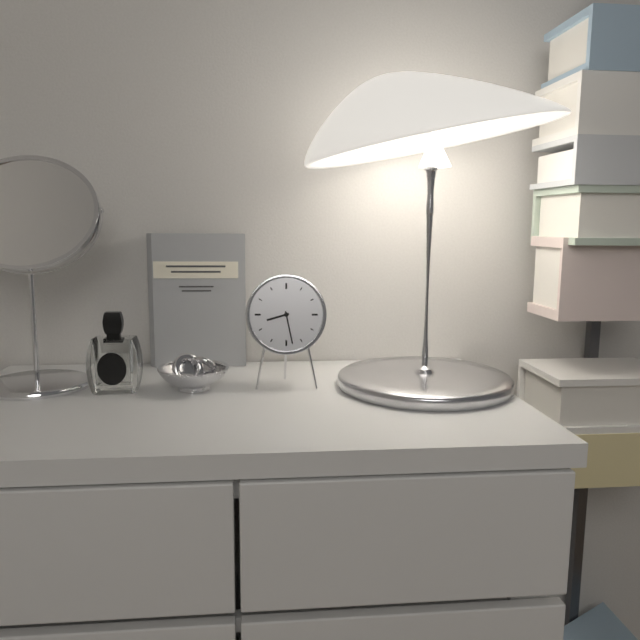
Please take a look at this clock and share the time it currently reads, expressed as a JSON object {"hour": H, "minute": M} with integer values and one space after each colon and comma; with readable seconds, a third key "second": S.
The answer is {"hour": 8, "minute": 28}
